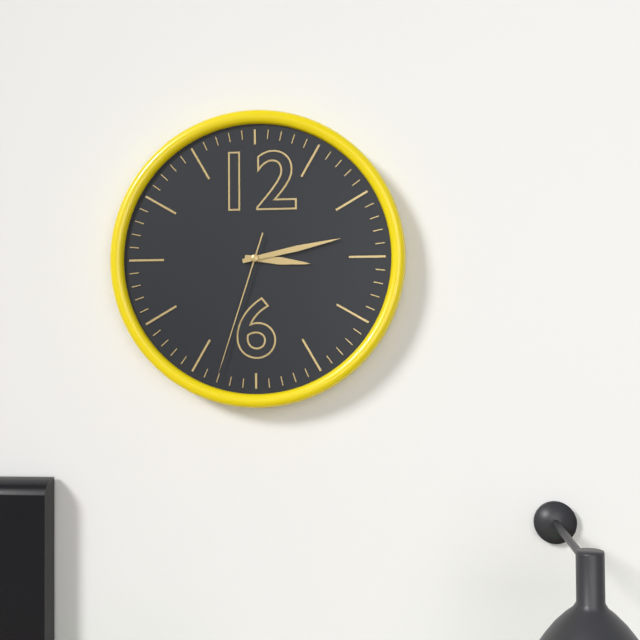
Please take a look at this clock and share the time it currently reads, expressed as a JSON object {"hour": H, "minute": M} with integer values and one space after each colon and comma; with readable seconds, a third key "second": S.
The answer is {"hour": 3, "minute": 13, "second": 33}
